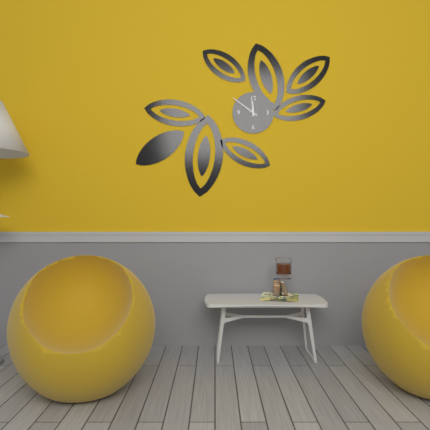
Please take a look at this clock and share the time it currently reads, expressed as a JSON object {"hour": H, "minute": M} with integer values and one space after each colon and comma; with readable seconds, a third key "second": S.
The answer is {"hour": 11, "minute": 51}
